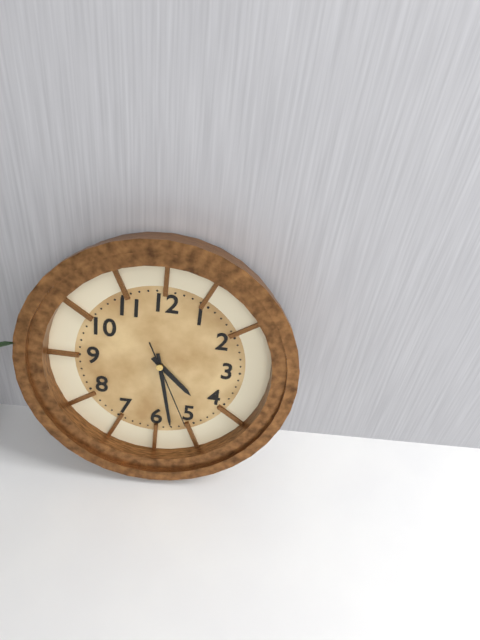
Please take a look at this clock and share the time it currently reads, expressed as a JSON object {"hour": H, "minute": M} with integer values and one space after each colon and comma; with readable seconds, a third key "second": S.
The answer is {"hour": 4, "minute": 28, "second": 26}
